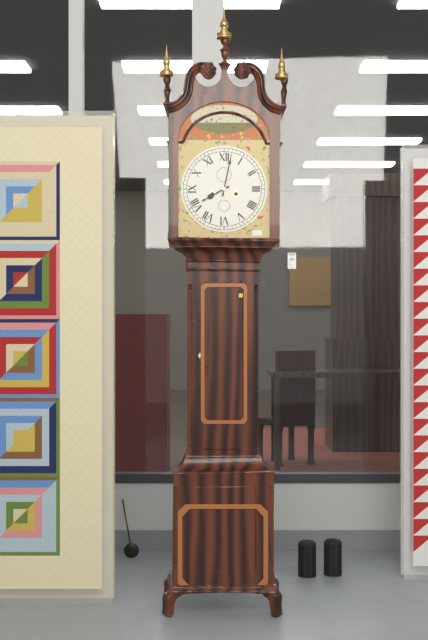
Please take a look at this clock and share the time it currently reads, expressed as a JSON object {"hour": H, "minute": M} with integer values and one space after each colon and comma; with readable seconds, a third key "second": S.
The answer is {"hour": 8, "minute": 2}
